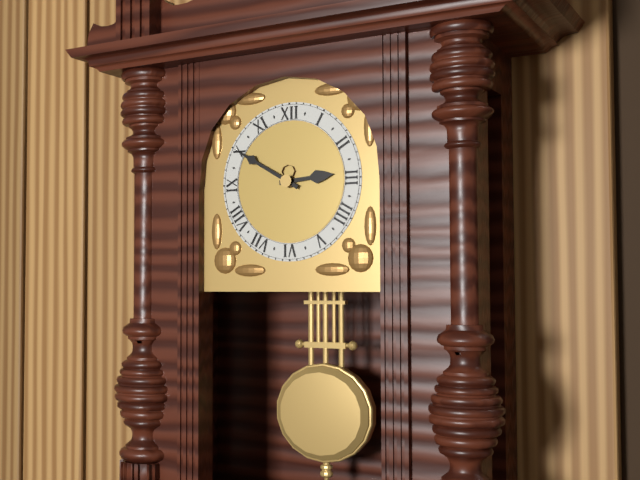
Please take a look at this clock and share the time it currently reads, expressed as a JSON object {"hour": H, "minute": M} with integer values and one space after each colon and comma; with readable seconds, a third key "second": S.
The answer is {"hour": 2, "minute": 50}
